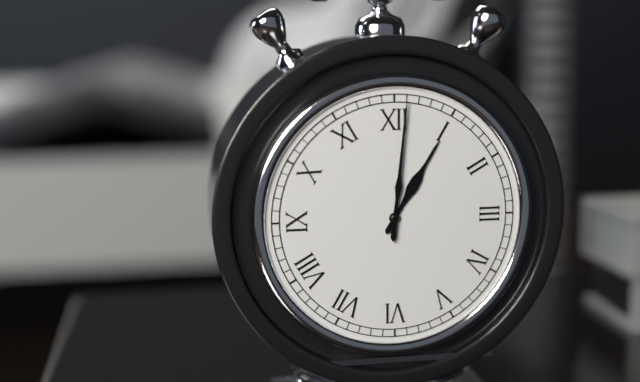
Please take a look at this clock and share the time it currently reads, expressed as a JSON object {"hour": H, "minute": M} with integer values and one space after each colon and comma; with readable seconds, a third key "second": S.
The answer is {"hour": 1, "minute": 1}
